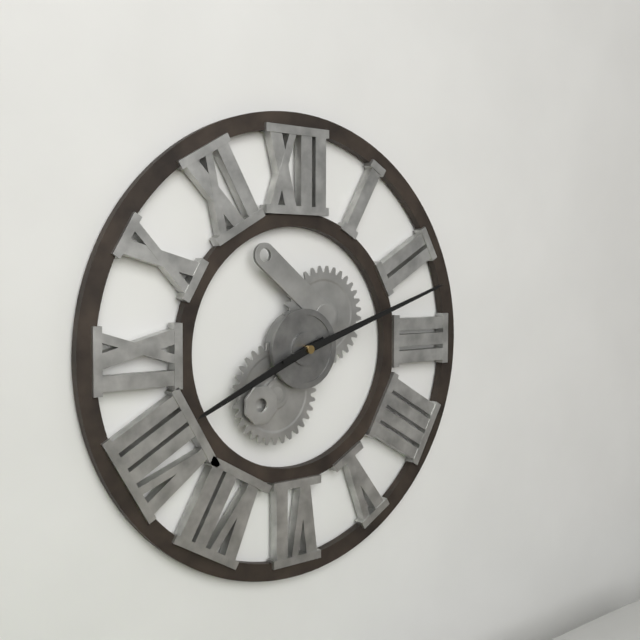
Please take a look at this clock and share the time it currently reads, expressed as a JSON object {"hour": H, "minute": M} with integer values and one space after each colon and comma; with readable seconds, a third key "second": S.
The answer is {"hour": 8, "minute": 12}
